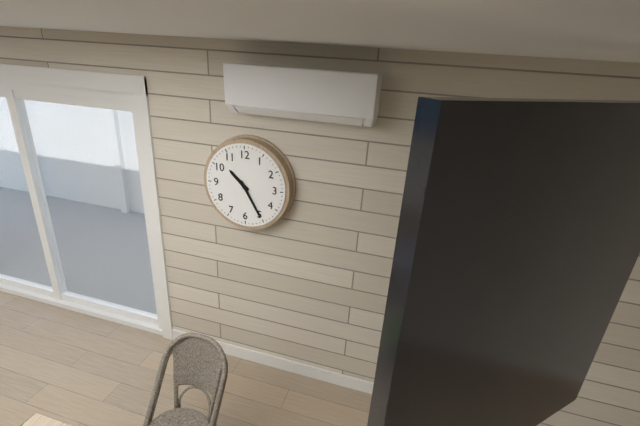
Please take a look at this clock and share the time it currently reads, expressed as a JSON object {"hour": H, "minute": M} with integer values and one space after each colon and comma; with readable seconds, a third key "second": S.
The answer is {"hour": 10, "minute": 25}
